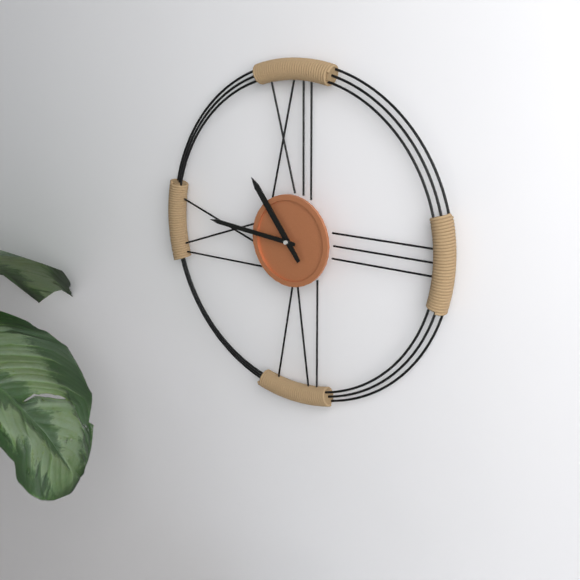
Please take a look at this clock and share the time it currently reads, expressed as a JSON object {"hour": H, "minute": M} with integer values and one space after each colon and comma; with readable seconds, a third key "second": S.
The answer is {"hour": 10, "minute": 46}
